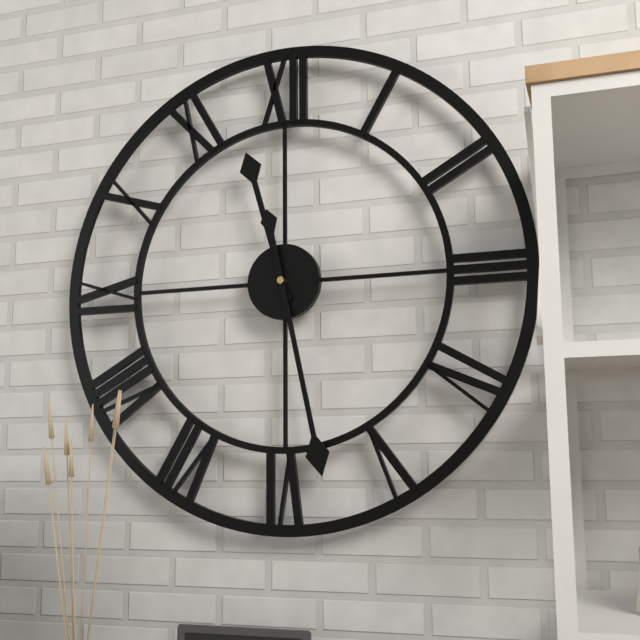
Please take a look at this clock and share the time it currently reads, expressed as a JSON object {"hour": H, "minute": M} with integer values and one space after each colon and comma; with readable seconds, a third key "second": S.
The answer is {"hour": 11, "minute": 28}
